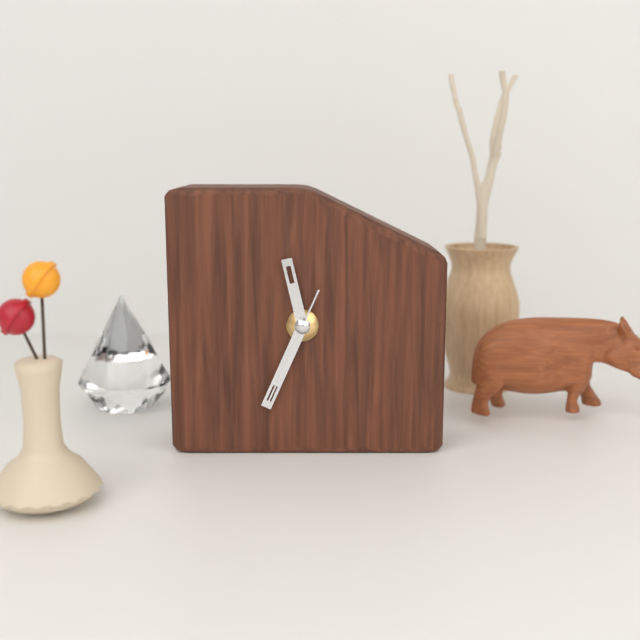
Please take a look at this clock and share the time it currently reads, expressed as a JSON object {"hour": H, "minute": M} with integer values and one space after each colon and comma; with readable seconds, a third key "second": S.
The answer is {"hour": 11, "minute": 34, "second": 34}
